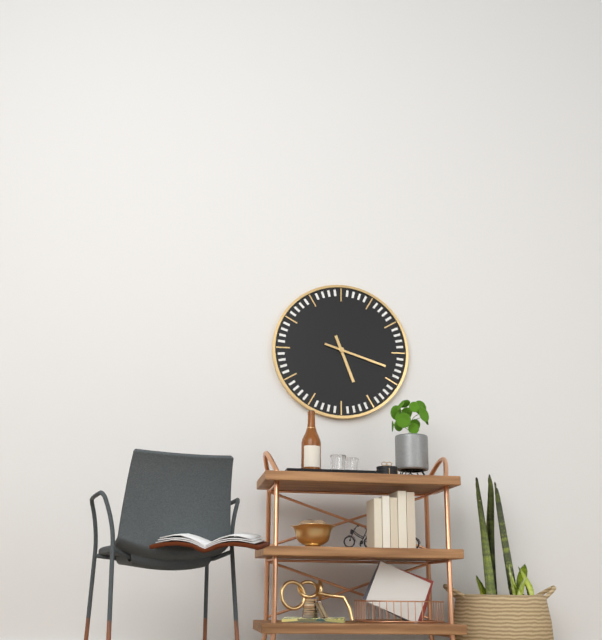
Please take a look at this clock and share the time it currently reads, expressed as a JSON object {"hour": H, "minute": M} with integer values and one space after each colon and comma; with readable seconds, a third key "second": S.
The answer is {"hour": 5, "minute": 18}
